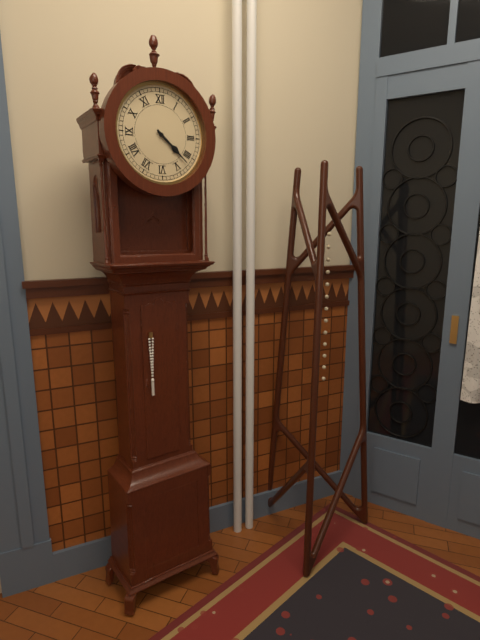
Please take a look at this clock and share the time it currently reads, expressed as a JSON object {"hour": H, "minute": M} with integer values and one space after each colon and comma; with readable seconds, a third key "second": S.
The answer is {"hour": 4, "minute": 22}
